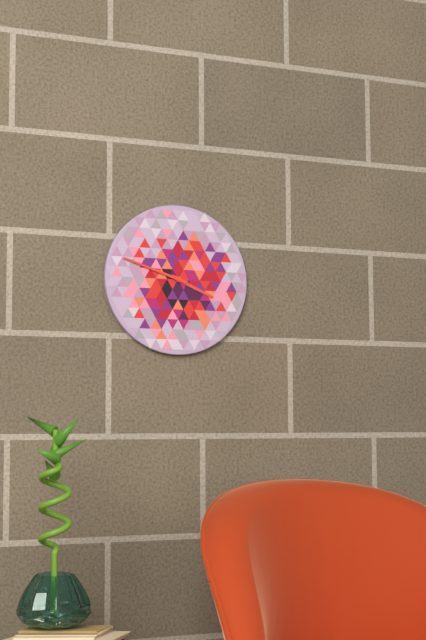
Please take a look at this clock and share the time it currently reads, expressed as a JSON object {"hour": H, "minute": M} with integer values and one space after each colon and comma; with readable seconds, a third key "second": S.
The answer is {"hour": 3, "minute": 48}
